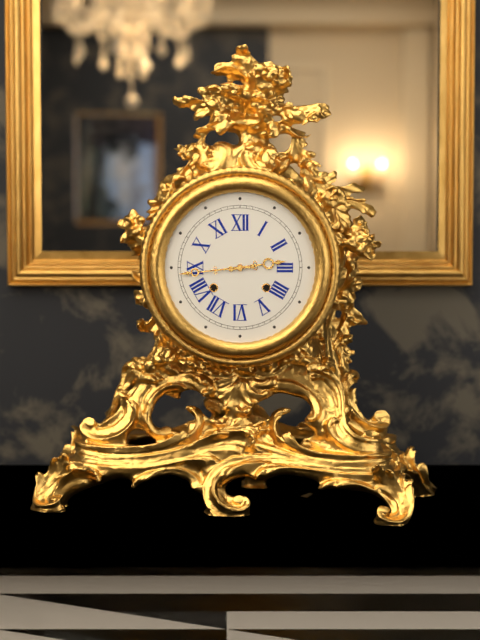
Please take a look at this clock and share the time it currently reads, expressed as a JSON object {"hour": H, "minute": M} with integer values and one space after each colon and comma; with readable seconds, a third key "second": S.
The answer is {"hour": 2, "minute": 44}
